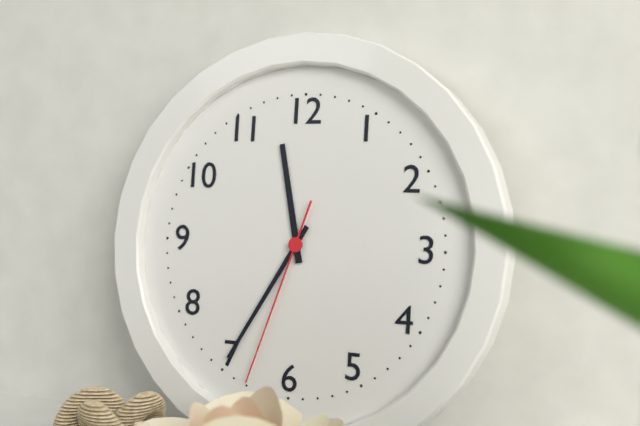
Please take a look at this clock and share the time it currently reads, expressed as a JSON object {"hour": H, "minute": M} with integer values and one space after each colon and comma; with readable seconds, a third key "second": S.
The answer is {"hour": 11, "minute": 35, "second": 33}
